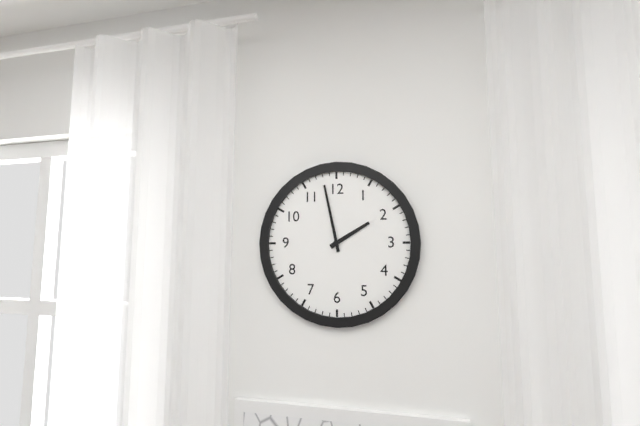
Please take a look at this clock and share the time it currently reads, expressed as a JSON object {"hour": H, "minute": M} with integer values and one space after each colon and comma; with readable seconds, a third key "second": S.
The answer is {"hour": 1, "minute": 58}
